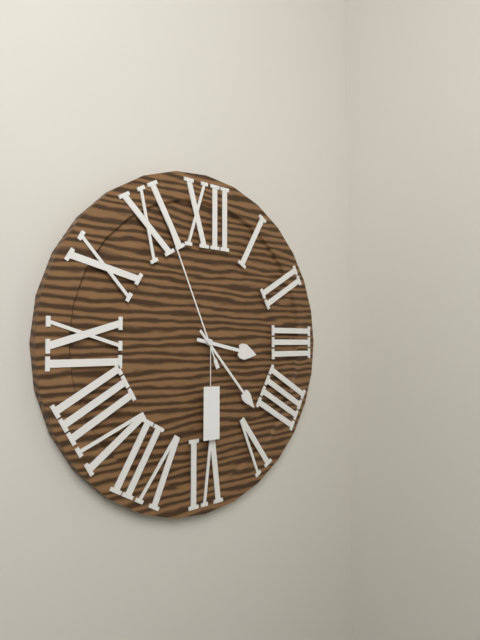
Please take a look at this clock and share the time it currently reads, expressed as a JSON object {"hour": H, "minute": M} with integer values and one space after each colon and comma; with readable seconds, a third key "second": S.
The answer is {"hour": 3, "minute": 23, "second": 56}
